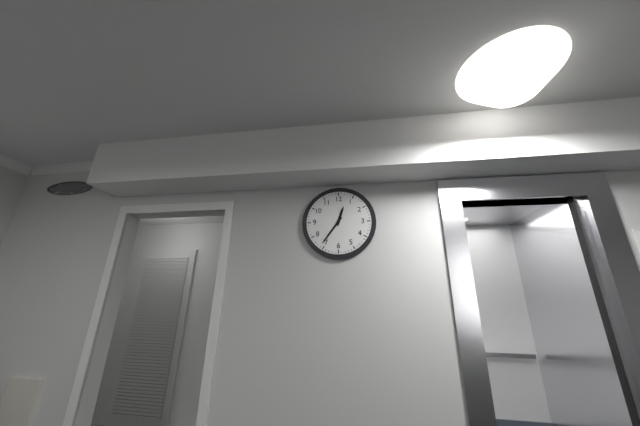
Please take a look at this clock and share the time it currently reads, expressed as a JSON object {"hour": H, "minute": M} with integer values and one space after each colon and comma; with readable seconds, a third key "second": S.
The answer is {"hour": 12, "minute": 36}
